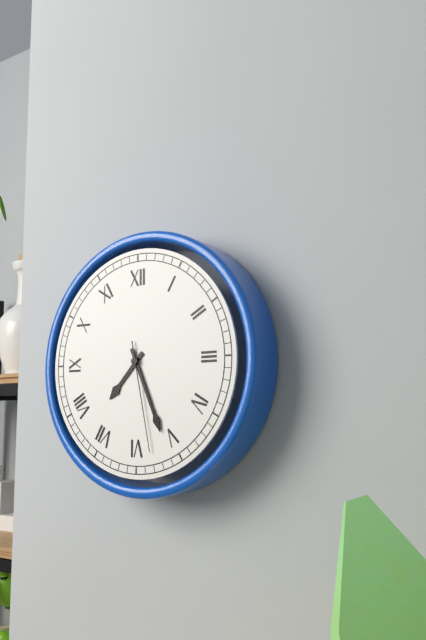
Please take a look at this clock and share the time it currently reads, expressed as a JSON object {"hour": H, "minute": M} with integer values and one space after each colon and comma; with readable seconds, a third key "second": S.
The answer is {"hour": 7, "minute": 26, "second": 28}
